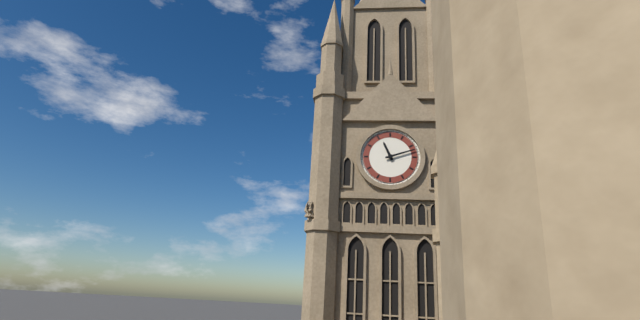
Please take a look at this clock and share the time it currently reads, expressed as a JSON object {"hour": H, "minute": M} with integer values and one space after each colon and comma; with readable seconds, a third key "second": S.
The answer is {"hour": 11, "minute": 12}
